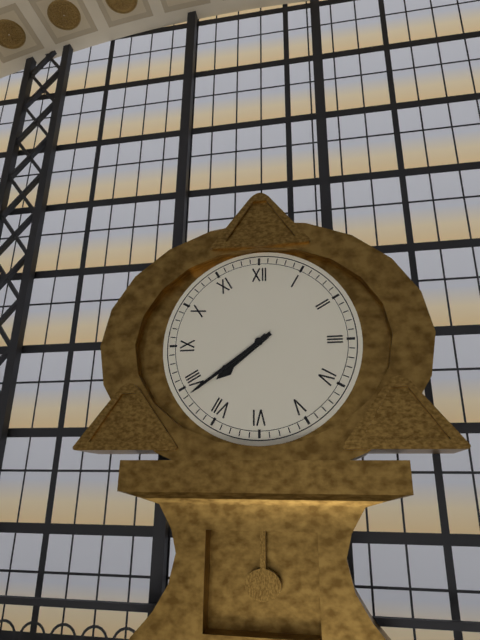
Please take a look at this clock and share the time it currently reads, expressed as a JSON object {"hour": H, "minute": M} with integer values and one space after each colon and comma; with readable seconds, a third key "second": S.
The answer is {"hour": 7, "minute": 39}
